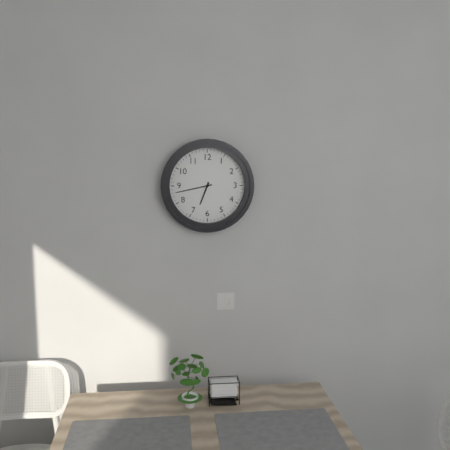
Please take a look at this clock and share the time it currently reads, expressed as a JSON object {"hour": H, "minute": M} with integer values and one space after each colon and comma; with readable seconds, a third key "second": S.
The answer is {"hour": 6, "minute": 43}
